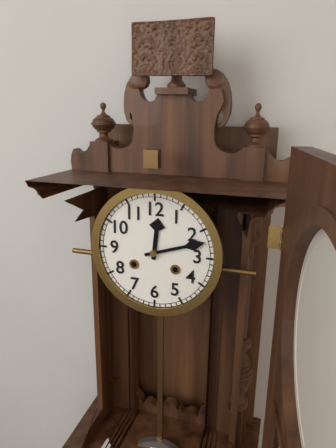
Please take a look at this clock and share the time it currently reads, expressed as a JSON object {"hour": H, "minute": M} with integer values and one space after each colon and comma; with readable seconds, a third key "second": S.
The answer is {"hour": 12, "minute": 12}
